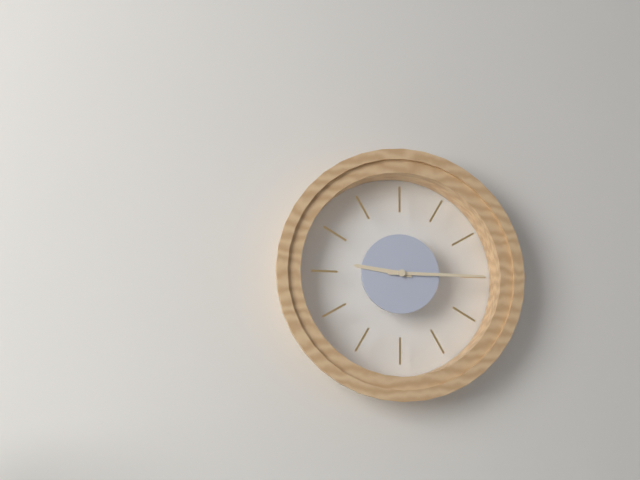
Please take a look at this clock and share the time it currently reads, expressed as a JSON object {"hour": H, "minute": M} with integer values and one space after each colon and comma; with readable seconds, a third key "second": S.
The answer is {"hour": 9, "minute": 15}
